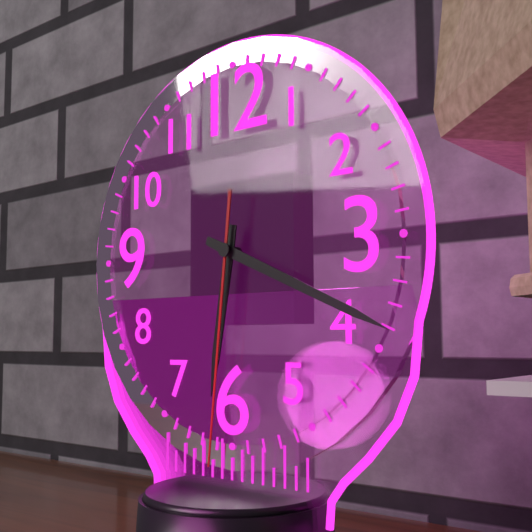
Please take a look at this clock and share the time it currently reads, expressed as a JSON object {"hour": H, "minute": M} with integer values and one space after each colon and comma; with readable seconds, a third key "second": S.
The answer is {"hour": 6, "minute": 19, "second": 31}
